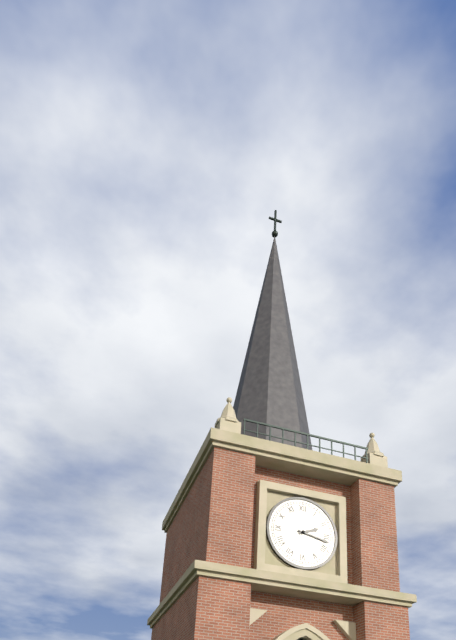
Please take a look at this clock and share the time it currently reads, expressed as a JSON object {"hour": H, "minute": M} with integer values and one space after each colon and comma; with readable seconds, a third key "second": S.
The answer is {"hour": 2, "minute": 17}
